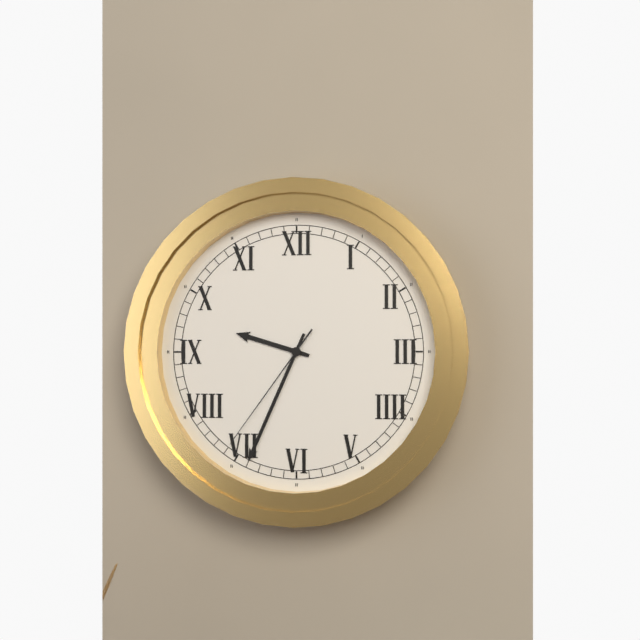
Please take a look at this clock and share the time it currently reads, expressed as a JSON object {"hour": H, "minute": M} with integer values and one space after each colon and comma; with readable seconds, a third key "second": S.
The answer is {"hour": 9, "minute": 34, "second": 36}
